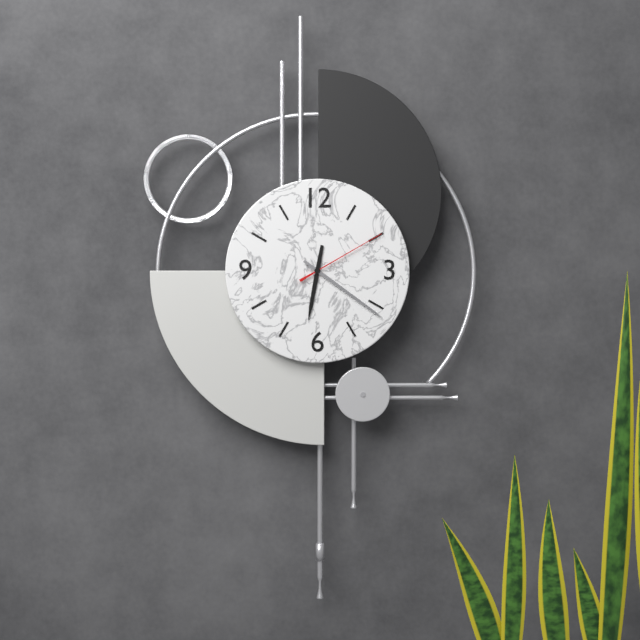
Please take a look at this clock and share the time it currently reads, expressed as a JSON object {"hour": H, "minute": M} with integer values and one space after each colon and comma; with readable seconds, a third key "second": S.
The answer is {"hour": 6, "minute": 21, "second": 10}
